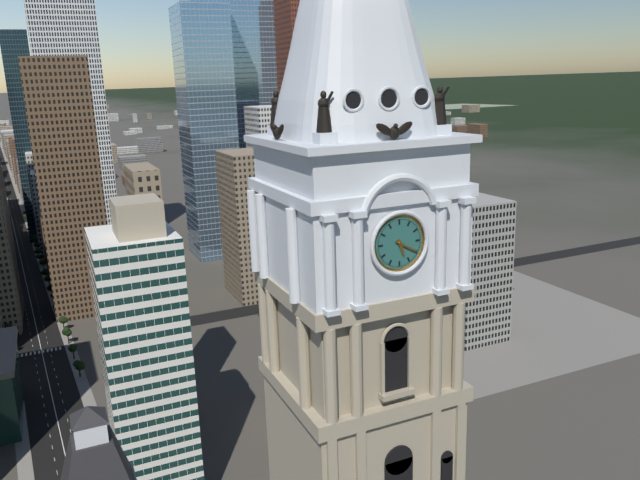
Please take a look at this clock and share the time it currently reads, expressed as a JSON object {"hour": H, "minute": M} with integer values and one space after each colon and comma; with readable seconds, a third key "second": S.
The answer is {"hour": 5, "minute": 20}
